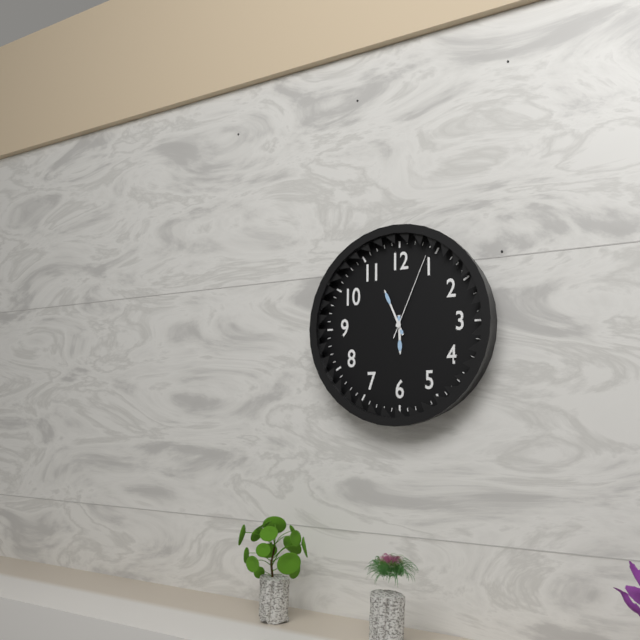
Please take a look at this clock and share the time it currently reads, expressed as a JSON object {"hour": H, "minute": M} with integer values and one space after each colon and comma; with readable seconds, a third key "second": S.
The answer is {"hour": 5, "minute": 56, "second": 4}
